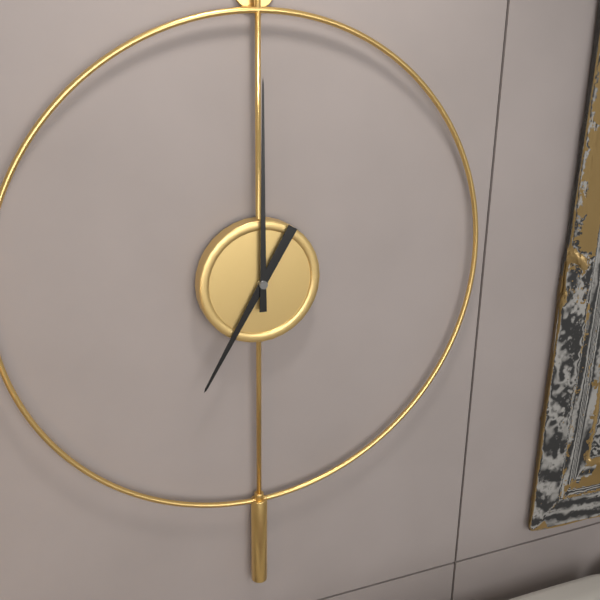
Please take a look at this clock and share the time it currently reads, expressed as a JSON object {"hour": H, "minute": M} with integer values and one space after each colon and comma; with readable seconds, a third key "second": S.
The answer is {"hour": 7, "minute": 0}
